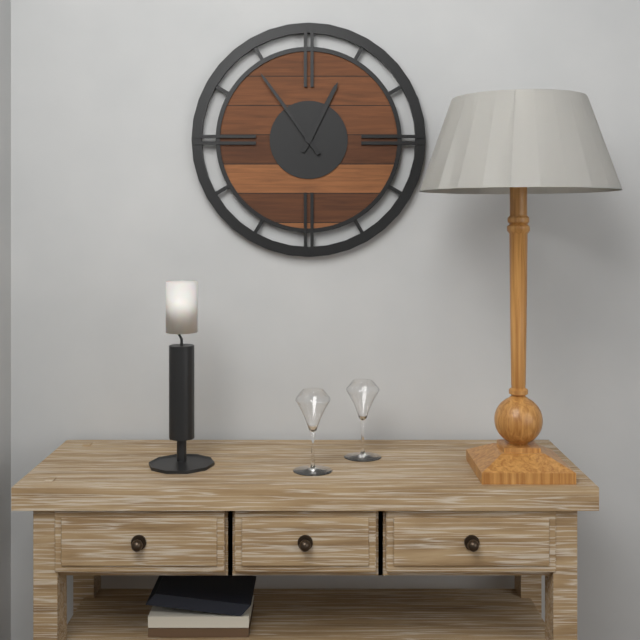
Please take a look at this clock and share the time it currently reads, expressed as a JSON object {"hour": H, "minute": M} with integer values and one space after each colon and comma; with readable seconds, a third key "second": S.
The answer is {"hour": 12, "minute": 54}
